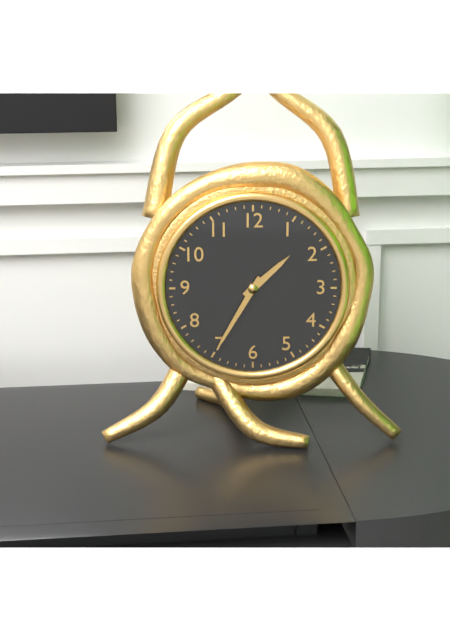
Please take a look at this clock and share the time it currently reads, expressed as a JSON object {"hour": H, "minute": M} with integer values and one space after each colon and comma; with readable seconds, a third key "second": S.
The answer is {"hour": 1, "minute": 35}
